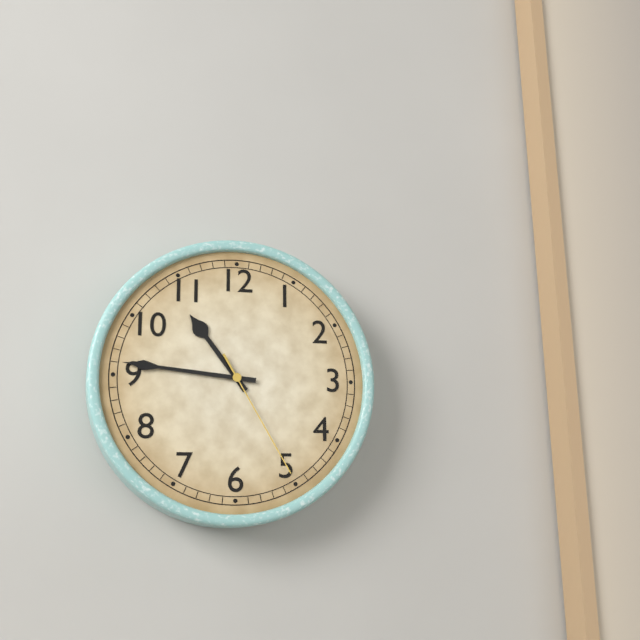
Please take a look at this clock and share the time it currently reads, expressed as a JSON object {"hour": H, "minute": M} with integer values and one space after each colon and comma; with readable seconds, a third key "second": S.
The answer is {"hour": 10, "minute": 46, "second": 25}
